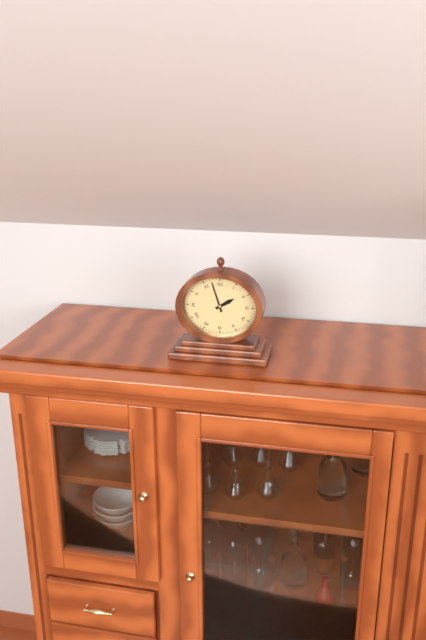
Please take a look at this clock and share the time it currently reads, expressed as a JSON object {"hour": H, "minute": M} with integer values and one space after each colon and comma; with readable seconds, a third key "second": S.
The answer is {"hour": 1, "minute": 57}
